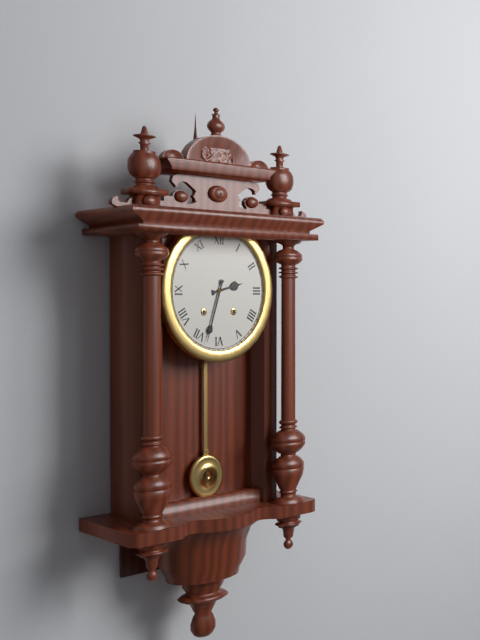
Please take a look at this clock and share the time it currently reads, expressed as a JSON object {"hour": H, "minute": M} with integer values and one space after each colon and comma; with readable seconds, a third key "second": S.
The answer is {"hour": 2, "minute": 33}
